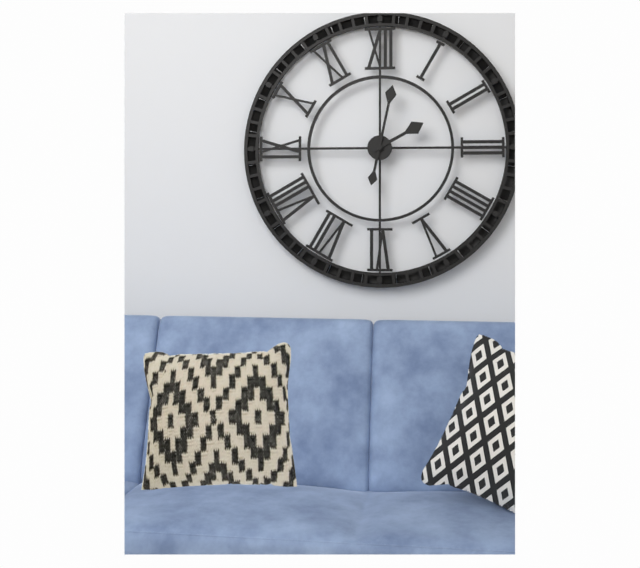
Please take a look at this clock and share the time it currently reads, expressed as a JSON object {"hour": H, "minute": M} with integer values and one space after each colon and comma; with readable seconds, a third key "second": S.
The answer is {"hour": 2, "minute": 2}
